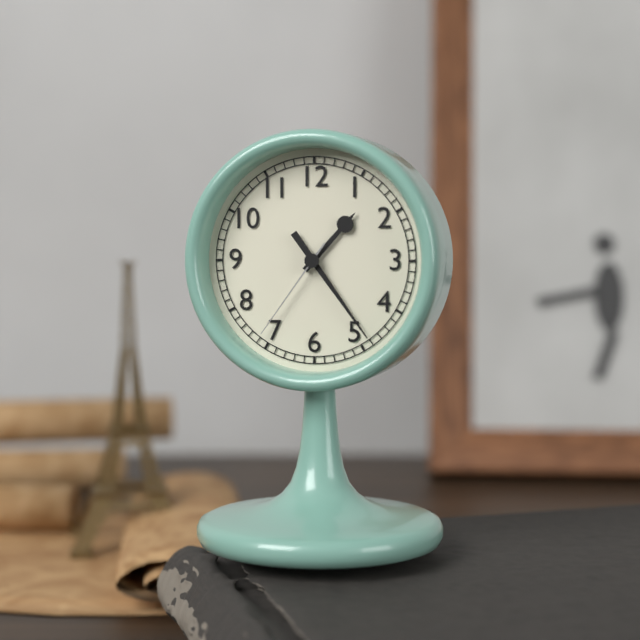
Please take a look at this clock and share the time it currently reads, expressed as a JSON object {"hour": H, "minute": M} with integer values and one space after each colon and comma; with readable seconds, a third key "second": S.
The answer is {"hour": 1, "minute": 24, "second": 36}
